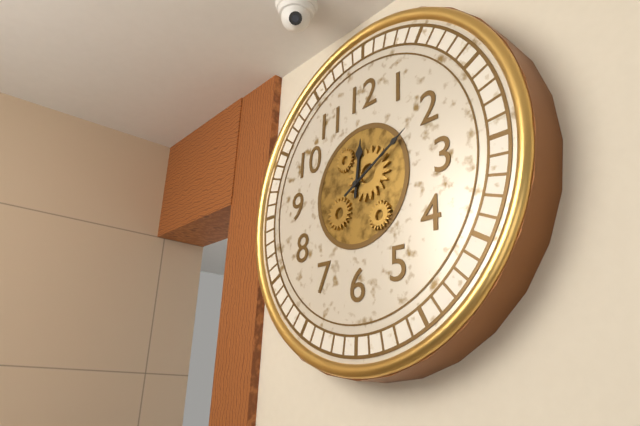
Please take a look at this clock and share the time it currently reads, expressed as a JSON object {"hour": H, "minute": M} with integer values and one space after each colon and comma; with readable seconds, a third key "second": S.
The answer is {"hour": 12, "minute": 10}
